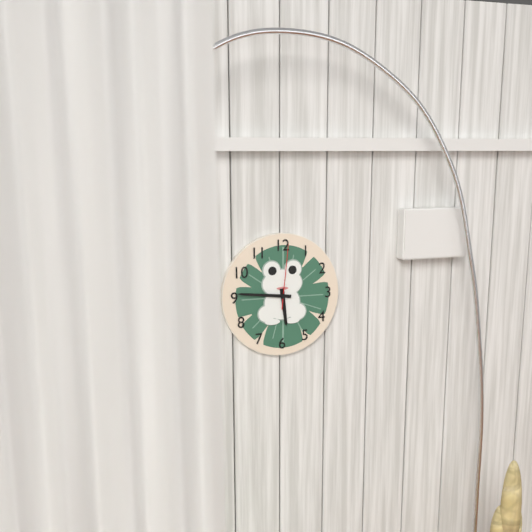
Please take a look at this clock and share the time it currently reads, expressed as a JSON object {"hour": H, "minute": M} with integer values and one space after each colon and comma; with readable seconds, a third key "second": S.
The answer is {"hour": 5, "minute": 46, "second": 1}
